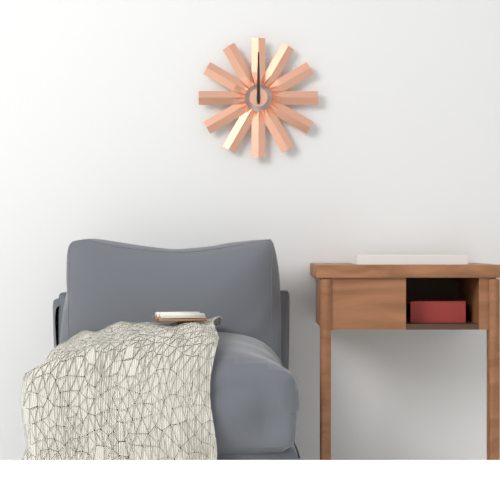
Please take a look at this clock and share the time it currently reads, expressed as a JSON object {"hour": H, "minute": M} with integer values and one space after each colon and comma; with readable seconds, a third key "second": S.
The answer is {"hour": 12, "minute": 0}
